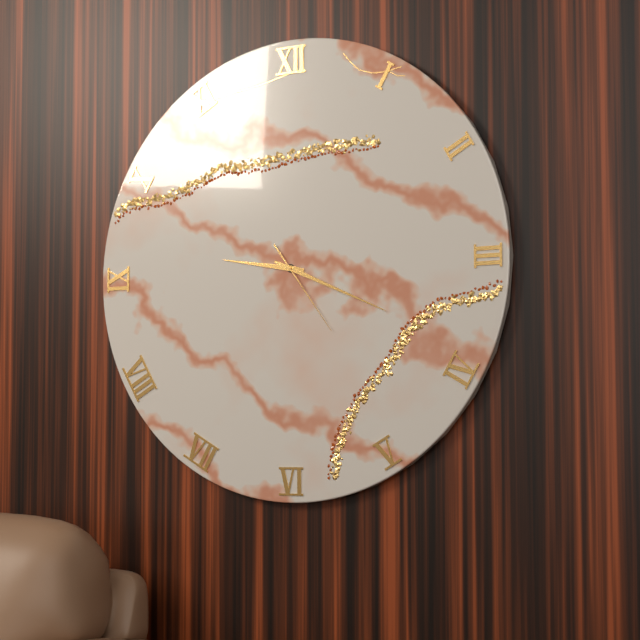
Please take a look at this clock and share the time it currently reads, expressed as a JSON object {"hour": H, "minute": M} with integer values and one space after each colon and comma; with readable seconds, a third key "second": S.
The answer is {"hour": 9, "minute": 19, "second": 24}
